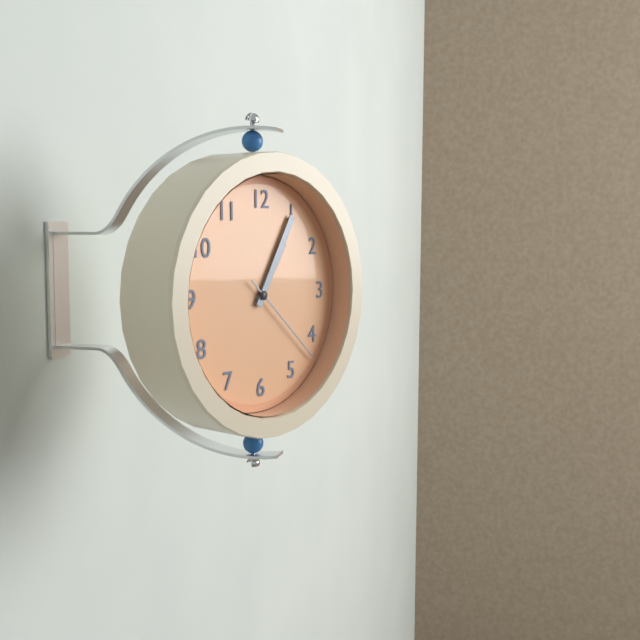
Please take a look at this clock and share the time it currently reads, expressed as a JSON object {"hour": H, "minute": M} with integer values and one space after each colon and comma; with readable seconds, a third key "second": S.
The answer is {"hour": 1, "minute": 5, "second": 22}
